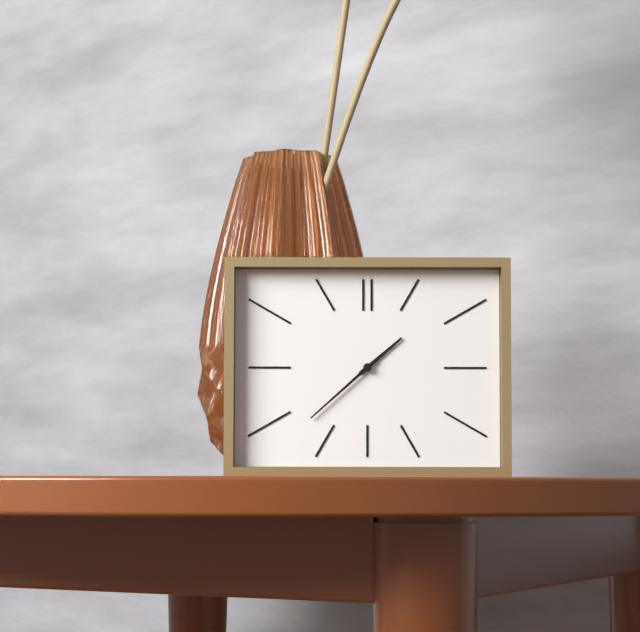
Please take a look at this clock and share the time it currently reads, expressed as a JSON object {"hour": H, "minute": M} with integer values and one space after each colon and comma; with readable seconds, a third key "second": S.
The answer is {"hour": 1, "minute": 38}
